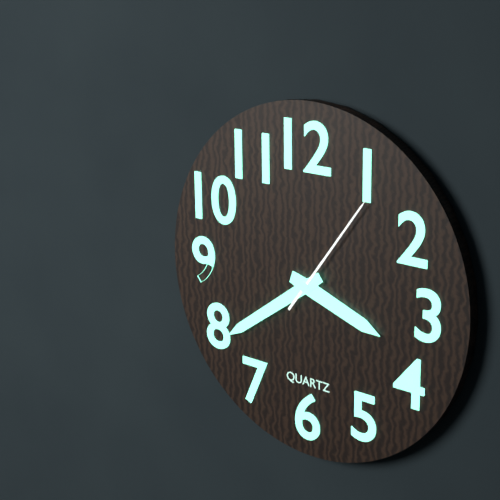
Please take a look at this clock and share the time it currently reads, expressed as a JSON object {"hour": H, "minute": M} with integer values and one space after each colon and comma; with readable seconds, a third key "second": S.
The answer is {"hour": 3, "minute": 39, "second": 6}
